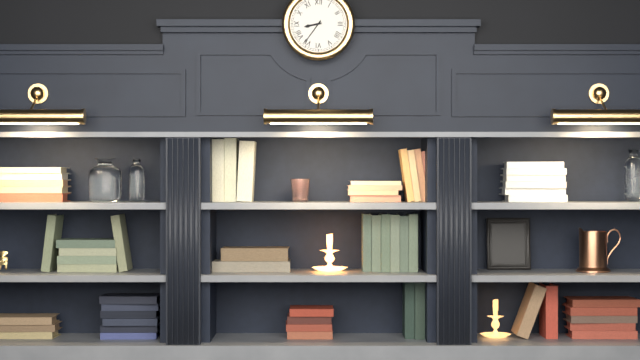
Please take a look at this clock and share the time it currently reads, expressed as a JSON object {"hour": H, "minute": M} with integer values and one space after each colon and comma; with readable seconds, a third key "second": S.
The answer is {"hour": 8, "minute": 36}
